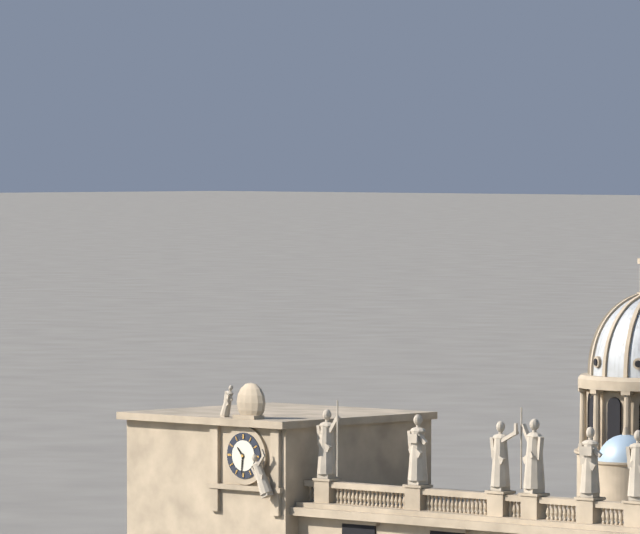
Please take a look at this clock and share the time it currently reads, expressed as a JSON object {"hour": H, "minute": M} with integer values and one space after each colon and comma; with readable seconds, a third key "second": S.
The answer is {"hour": 10, "minute": 31}
